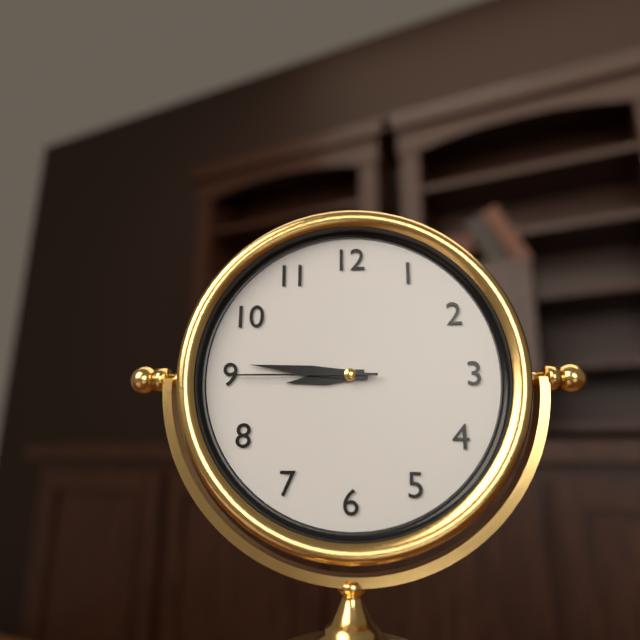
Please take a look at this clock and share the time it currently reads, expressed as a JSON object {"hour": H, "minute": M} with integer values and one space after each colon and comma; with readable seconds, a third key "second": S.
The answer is {"hour": 8, "minute": 46, "second": 45}
